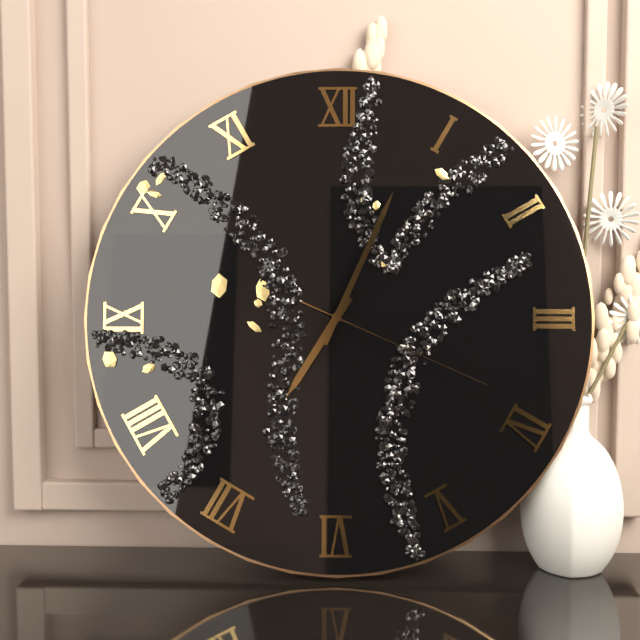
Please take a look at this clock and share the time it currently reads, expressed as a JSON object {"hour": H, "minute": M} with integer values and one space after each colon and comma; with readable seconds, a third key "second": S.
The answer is {"hour": 7, "minute": 4, "second": 19}
